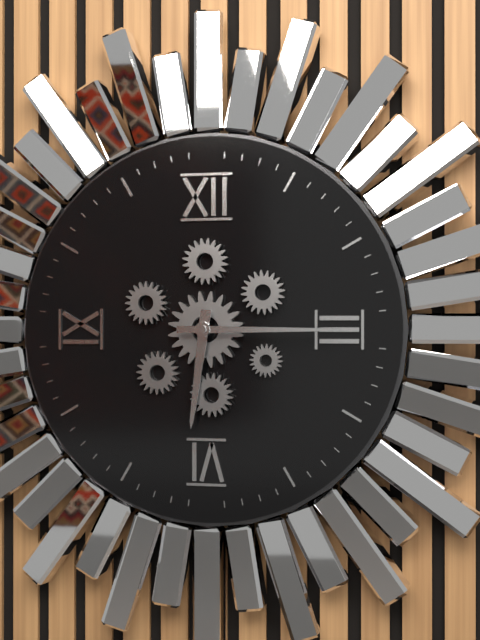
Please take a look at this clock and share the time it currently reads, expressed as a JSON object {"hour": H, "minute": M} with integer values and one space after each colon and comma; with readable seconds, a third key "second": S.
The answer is {"hour": 6, "minute": 15}
